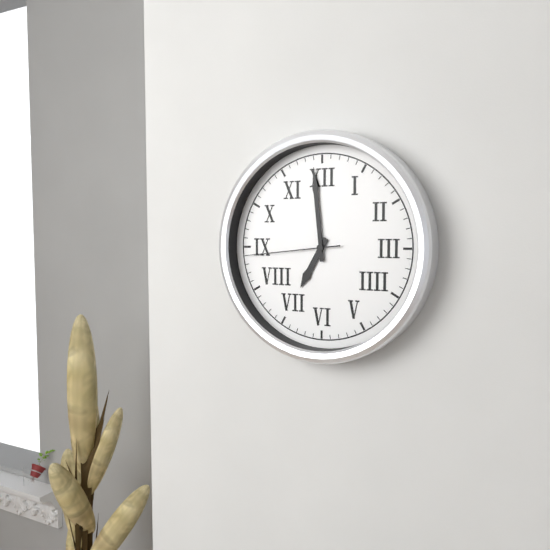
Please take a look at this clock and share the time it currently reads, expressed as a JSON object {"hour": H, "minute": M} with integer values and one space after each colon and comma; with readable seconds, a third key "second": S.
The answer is {"hour": 6, "minute": 59, "second": 44}
